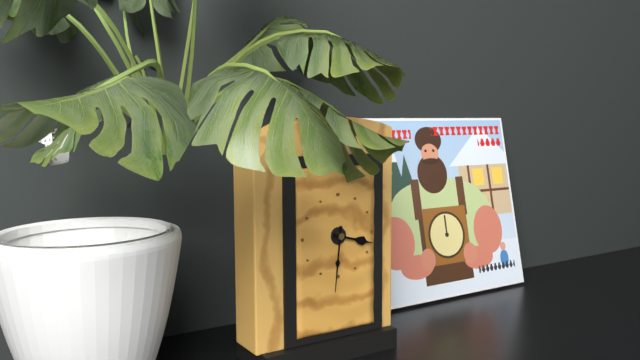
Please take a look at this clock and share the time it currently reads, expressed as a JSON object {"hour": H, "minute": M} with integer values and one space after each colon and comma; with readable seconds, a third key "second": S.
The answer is {"hour": 3, "minute": 31}
